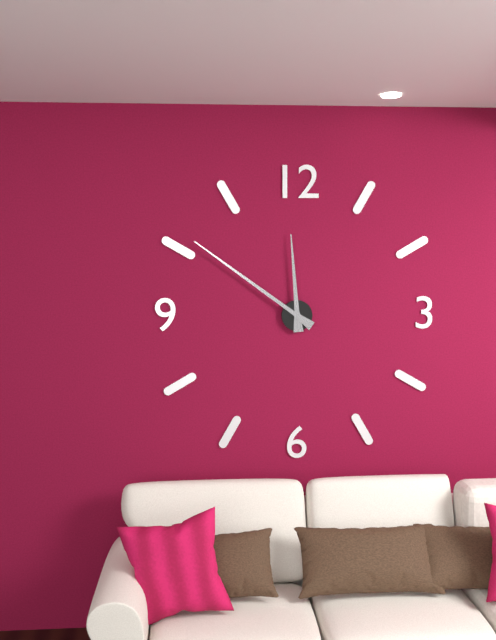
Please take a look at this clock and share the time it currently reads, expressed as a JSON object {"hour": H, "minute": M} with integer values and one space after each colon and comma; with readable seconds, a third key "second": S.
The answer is {"hour": 11, "minute": 51}
